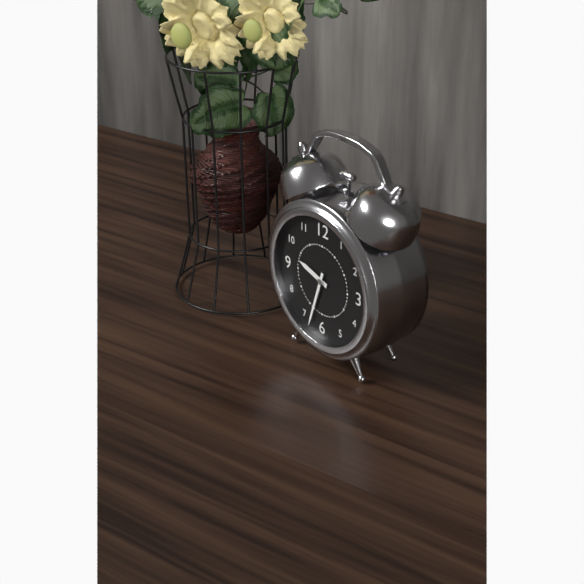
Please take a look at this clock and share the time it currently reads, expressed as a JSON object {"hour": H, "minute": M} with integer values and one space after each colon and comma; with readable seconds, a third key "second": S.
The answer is {"hour": 9, "minute": 33}
